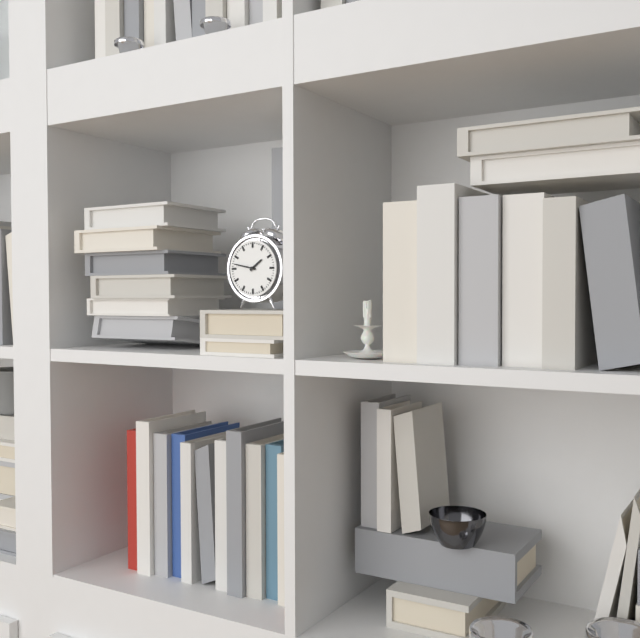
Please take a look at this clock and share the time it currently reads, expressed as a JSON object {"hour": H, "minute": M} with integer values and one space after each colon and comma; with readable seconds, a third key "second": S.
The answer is {"hour": 1, "minute": 47}
